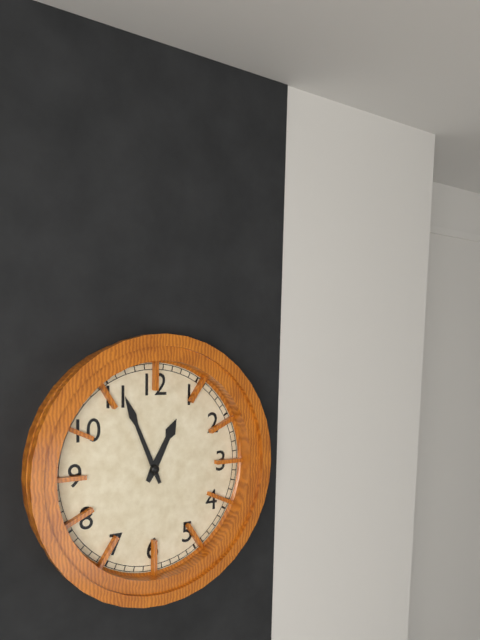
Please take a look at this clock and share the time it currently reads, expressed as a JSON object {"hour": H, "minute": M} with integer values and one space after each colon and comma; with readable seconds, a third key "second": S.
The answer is {"hour": 12, "minute": 56}
